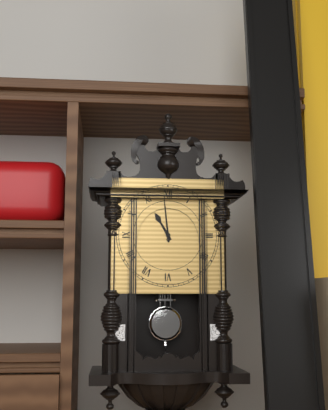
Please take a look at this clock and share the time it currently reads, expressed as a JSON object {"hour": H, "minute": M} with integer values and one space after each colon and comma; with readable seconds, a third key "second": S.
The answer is {"hour": 10, "minute": 59}
